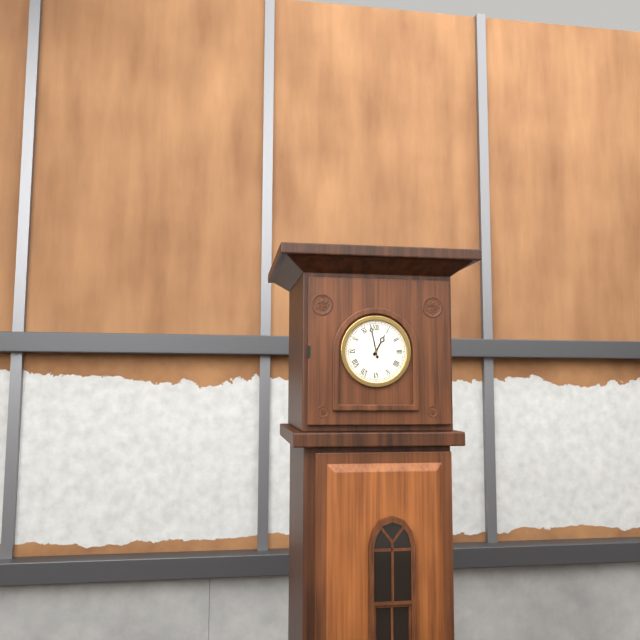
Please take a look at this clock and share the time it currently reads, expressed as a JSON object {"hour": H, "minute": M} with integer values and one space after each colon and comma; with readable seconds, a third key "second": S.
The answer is {"hour": 12, "minute": 58}
